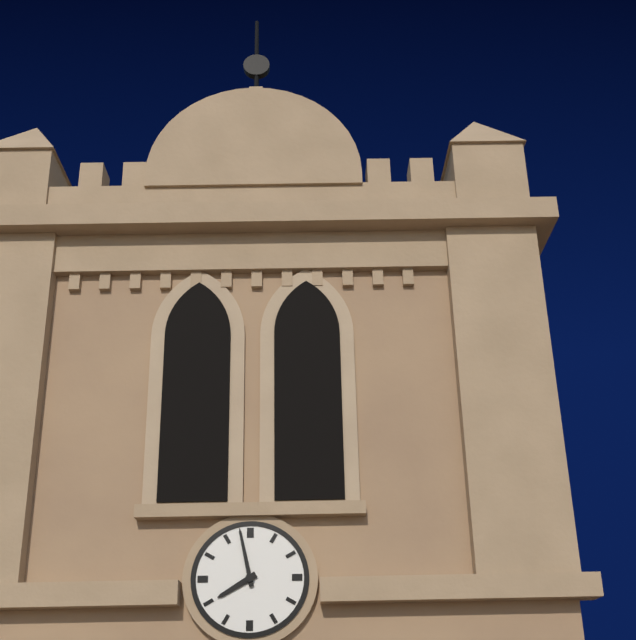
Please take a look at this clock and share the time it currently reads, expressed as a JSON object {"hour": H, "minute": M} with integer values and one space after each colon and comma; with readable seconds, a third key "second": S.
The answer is {"hour": 7, "minute": 58}
